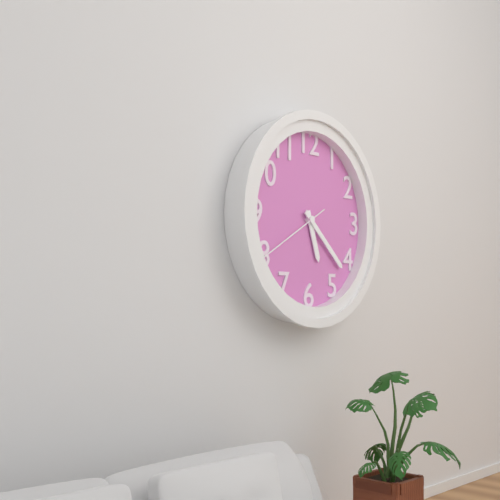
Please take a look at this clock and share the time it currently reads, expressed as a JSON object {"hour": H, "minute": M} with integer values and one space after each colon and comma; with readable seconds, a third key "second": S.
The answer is {"hour": 5, "minute": 22, "second": 40}
